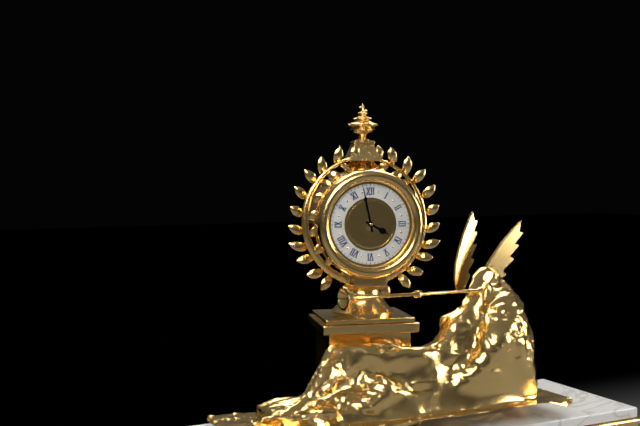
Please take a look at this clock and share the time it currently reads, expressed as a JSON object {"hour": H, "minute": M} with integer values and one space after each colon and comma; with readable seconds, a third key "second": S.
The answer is {"hour": 3, "minute": 58}
